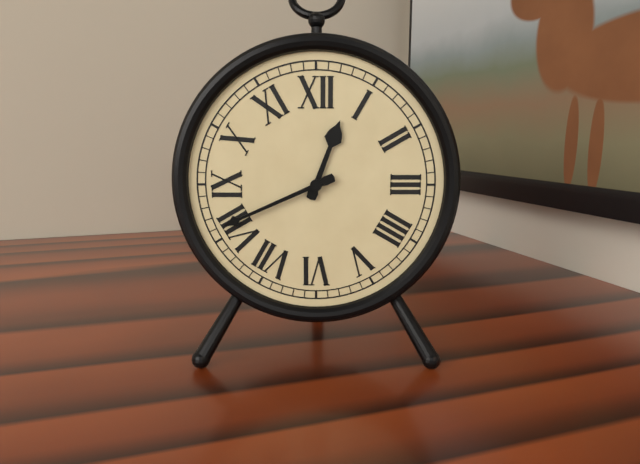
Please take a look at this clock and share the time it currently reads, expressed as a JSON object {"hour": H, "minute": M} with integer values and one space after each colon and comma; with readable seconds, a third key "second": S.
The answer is {"hour": 12, "minute": 41}
